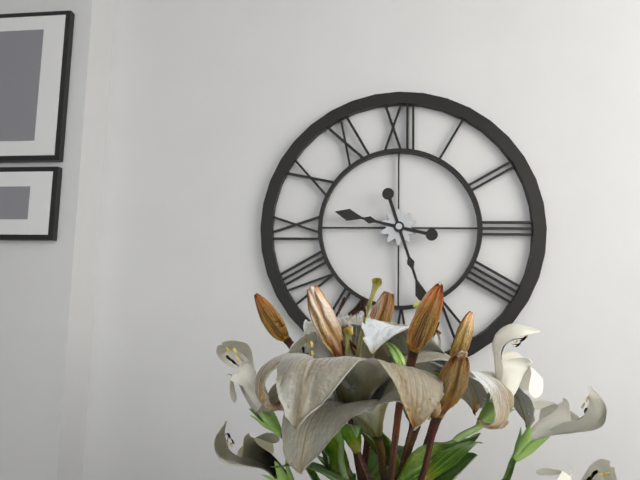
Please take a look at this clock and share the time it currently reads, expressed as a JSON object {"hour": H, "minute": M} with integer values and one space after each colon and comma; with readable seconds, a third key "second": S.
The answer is {"hour": 9, "minute": 27}
